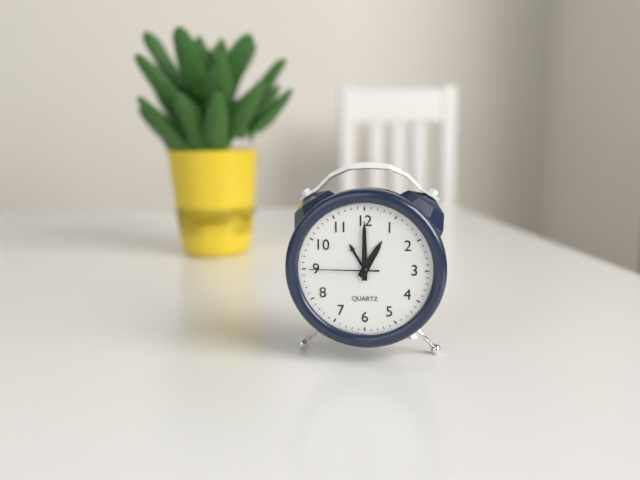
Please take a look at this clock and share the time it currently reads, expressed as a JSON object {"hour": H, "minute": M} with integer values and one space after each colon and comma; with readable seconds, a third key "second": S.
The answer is {"hour": 1, "minute": 0, "second": 45}
